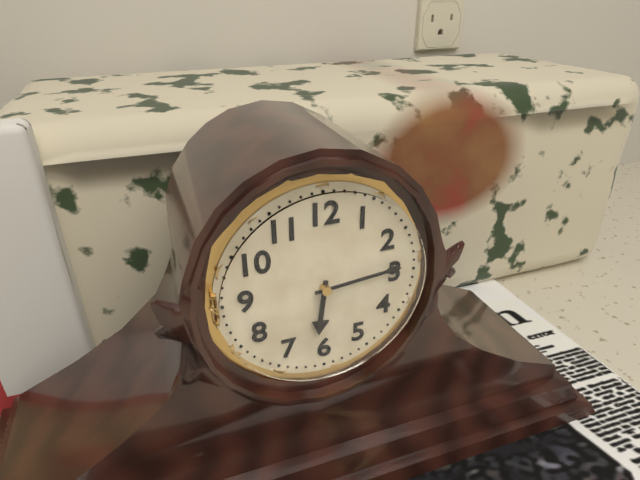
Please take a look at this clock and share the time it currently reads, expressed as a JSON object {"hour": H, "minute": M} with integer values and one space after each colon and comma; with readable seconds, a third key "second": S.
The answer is {"hour": 6, "minute": 14}
